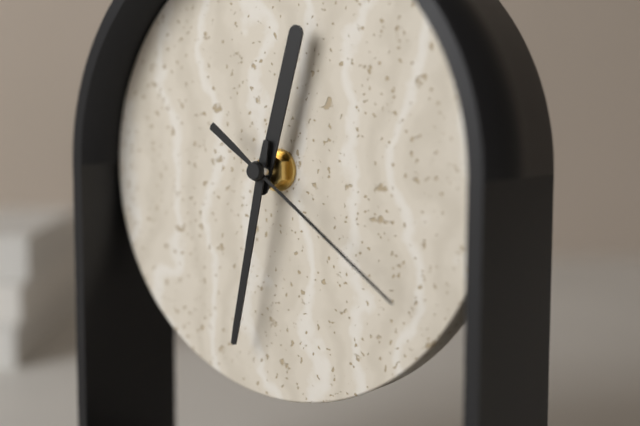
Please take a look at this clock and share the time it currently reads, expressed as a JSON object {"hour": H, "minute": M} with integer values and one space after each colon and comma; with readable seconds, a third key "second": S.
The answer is {"hour": 12, "minute": 32, "second": 21}
